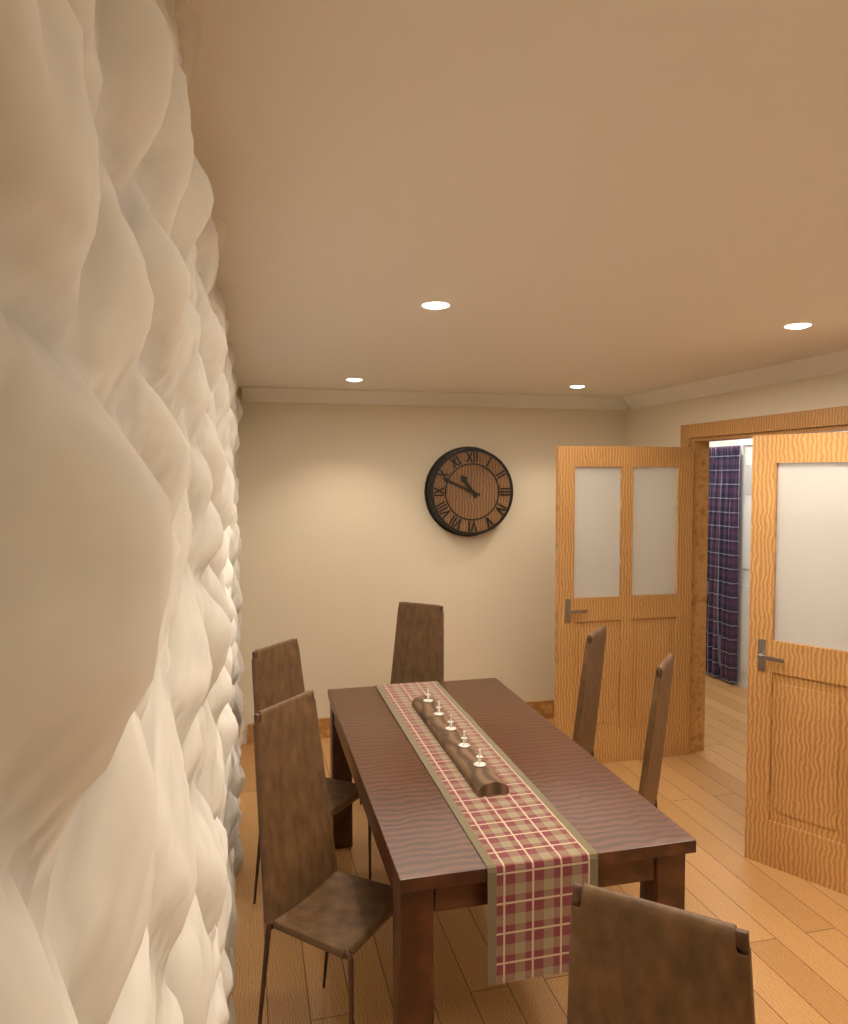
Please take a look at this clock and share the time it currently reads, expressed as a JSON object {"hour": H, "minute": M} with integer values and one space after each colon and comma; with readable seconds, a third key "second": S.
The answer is {"hour": 10, "minute": 49}
